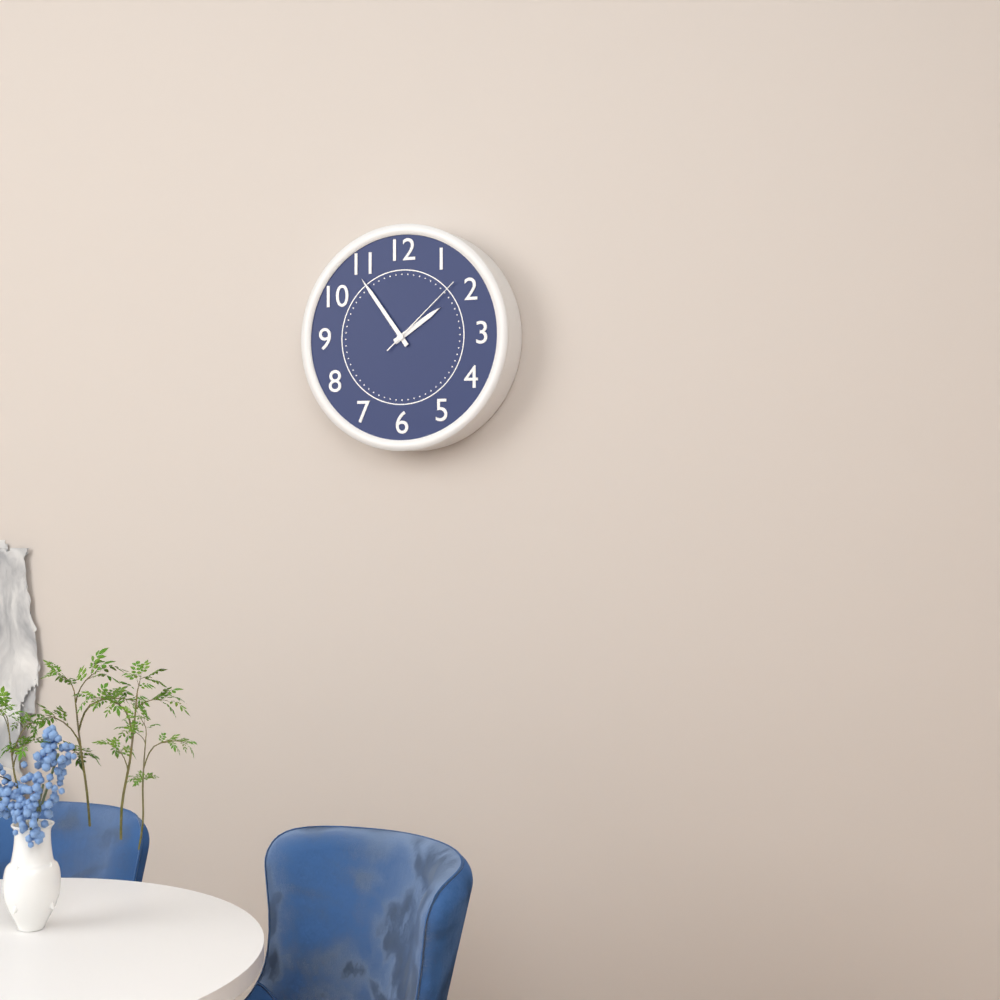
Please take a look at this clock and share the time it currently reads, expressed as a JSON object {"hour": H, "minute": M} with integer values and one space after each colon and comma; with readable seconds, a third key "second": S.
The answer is {"hour": 1, "minute": 54, "second": 8}
